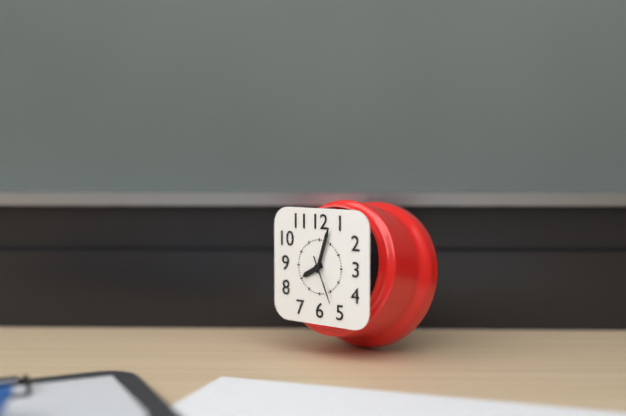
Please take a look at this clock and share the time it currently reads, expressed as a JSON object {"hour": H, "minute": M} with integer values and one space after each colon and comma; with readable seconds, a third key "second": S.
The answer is {"hour": 8, "minute": 3}
